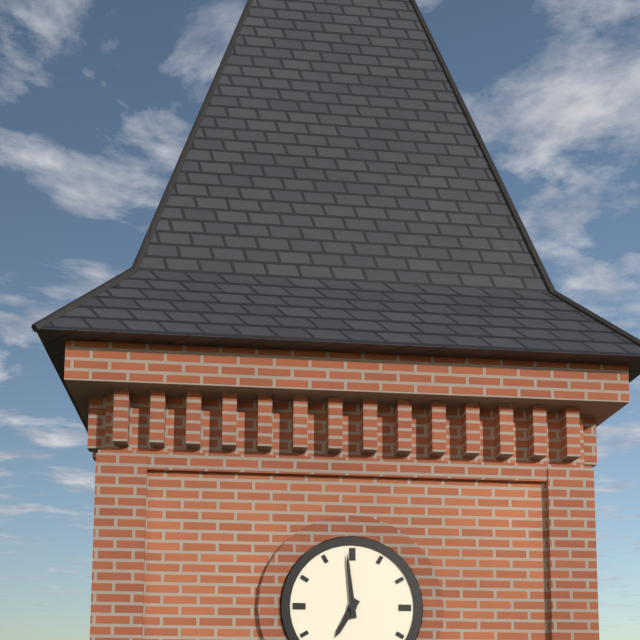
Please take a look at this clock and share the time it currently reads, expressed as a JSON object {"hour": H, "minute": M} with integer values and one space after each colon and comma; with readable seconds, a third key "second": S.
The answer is {"hour": 6, "minute": 59}
